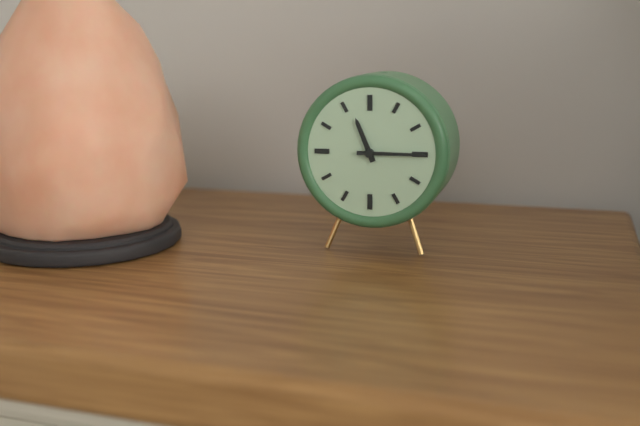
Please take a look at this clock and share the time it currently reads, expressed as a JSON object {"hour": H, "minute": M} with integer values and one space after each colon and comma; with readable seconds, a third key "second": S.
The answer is {"hour": 11, "minute": 15}
